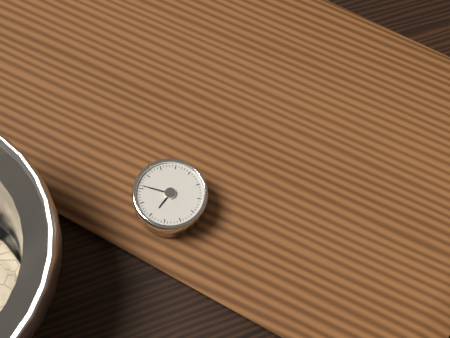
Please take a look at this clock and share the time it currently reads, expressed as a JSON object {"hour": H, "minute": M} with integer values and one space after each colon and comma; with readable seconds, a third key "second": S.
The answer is {"hour": 7, "minute": 51}
